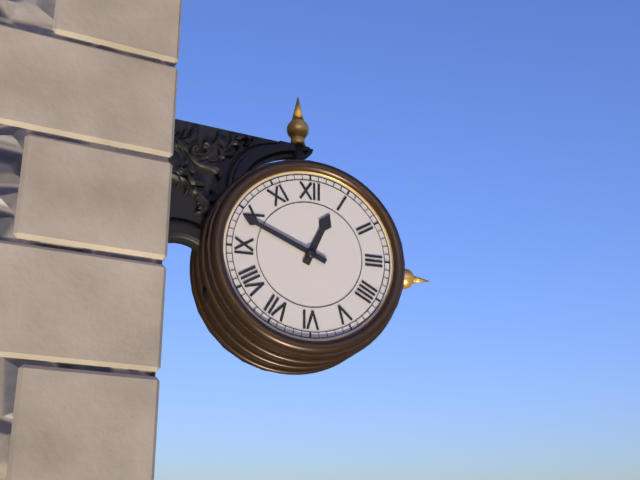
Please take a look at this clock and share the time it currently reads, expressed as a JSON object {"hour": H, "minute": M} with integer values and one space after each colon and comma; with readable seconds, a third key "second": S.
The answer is {"hour": 12, "minute": 49}
